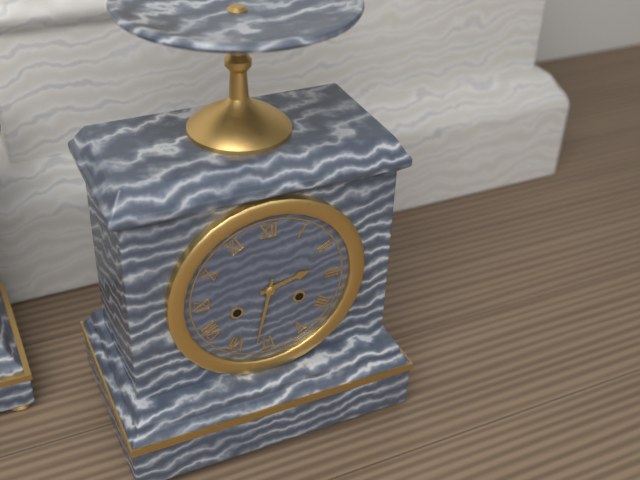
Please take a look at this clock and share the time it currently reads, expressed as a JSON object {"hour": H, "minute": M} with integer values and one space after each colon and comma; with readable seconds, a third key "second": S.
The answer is {"hour": 2, "minute": 32}
